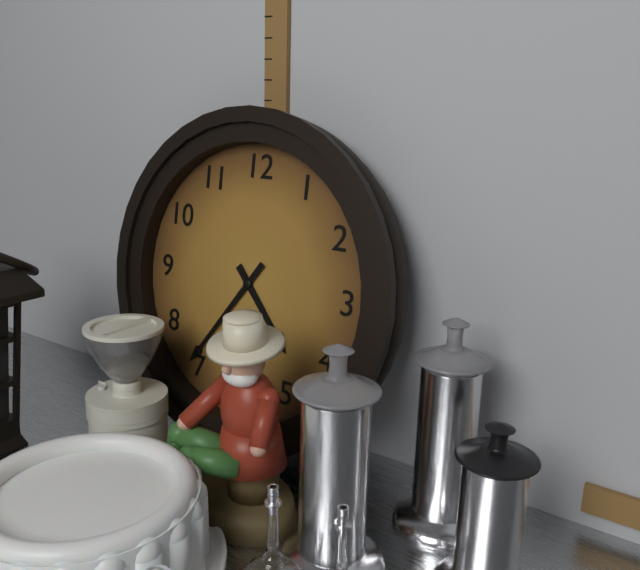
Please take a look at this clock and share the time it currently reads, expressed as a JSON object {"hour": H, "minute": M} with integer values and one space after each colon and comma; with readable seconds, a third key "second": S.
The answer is {"hour": 4, "minute": 36}
